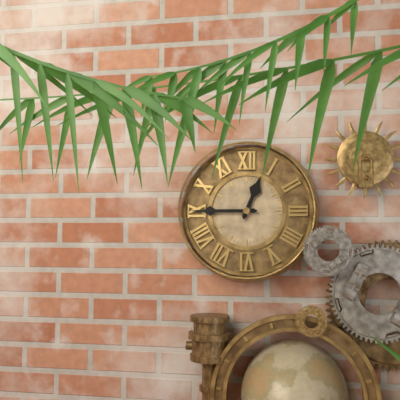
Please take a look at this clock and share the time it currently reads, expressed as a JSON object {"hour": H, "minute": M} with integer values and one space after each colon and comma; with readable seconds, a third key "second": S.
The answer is {"hour": 12, "minute": 45}
